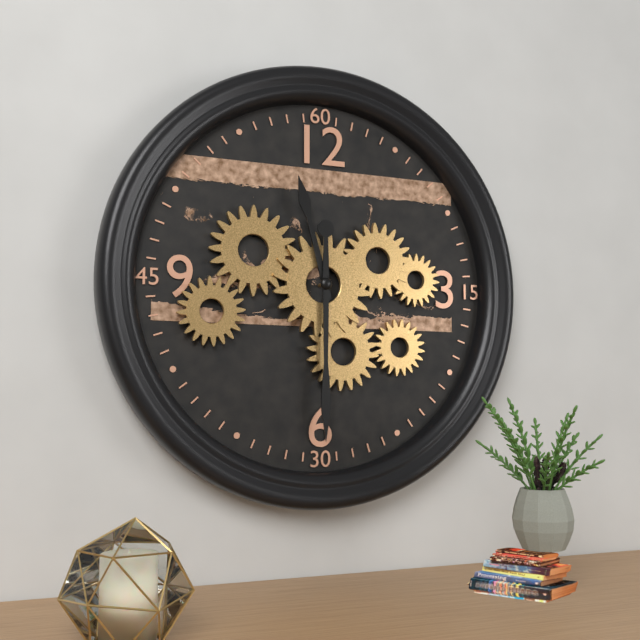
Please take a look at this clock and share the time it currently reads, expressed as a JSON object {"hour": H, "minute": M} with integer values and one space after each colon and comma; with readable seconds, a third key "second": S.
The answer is {"hour": 11, "minute": 30}
